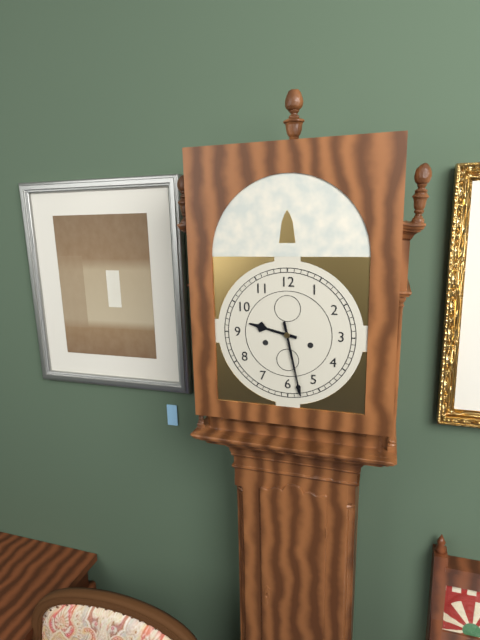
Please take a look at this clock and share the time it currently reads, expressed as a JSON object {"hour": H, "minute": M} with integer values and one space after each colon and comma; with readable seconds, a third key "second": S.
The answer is {"hour": 9, "minute": 28}
